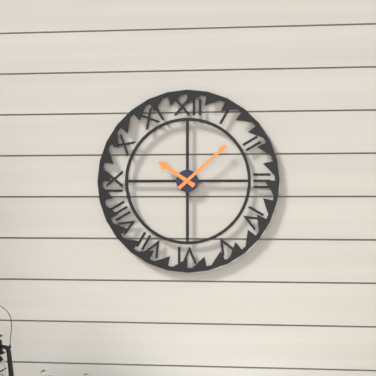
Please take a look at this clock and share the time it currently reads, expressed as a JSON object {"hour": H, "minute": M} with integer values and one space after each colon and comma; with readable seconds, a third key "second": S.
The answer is {"hour": 10, "minute": 8}
